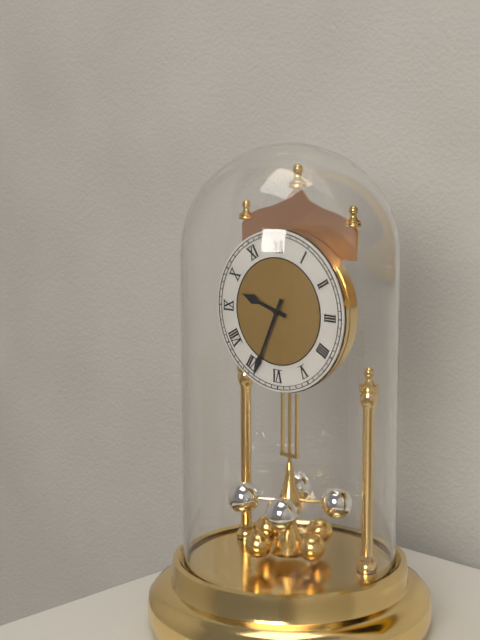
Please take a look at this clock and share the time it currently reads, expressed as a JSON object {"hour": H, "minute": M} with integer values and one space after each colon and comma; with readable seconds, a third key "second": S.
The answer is {"hour": 9, "minute": 34}
